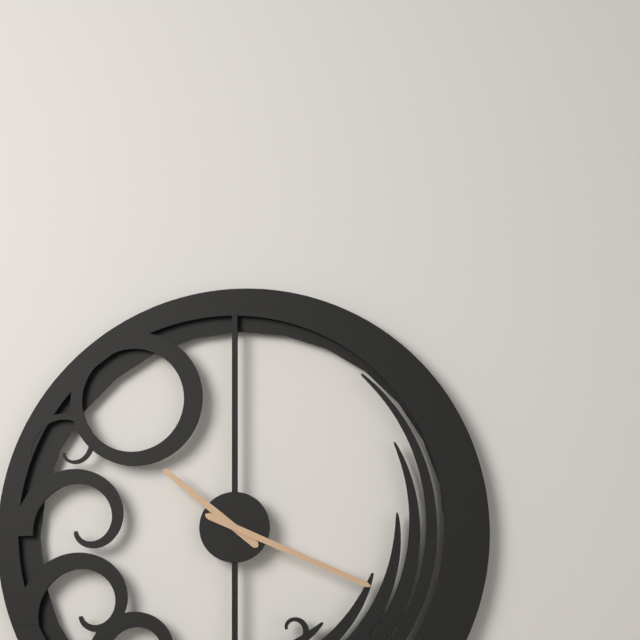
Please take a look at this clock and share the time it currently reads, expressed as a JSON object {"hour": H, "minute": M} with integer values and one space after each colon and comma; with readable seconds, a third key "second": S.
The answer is {"hour": 10, "minute": 19}
